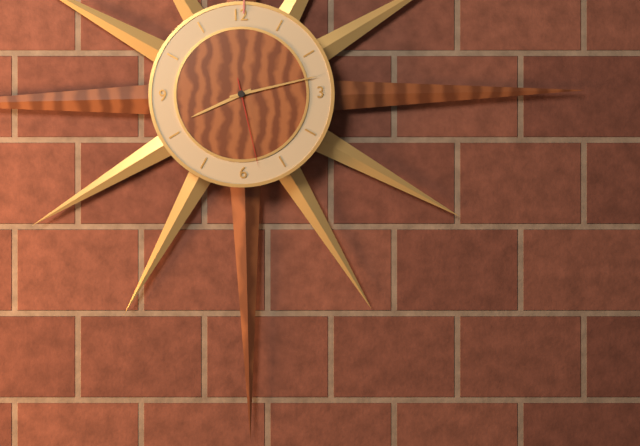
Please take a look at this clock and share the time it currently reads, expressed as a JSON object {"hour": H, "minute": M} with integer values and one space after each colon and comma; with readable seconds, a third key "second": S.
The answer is {"hour": 8, "minute": 13, "second": 28}
